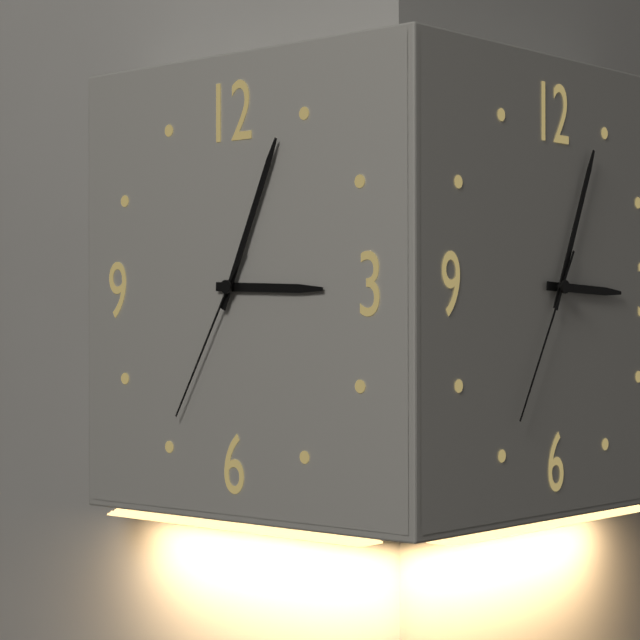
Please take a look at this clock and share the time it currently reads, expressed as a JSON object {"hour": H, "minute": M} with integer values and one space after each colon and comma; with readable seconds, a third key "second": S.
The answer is {"hour": 3, "minute": 4, "second": 35}
